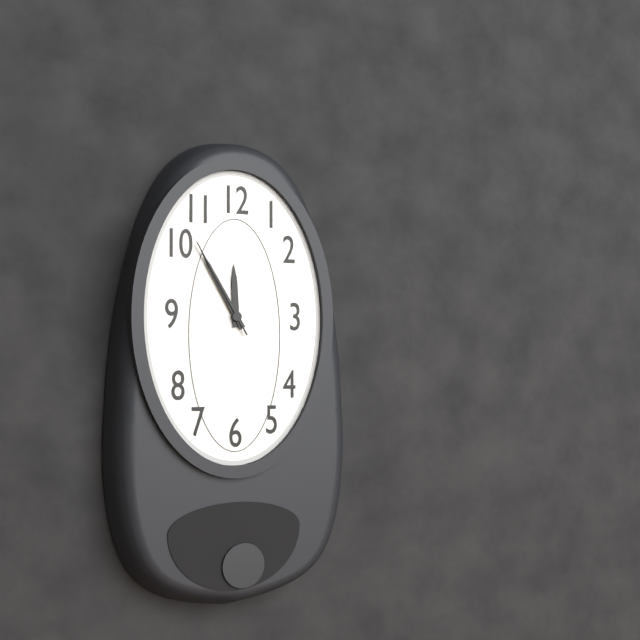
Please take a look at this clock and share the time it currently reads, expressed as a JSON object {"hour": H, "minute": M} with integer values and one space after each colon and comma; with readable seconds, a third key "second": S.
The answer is {"hour": 11, "minute": 55, "second": 55}
